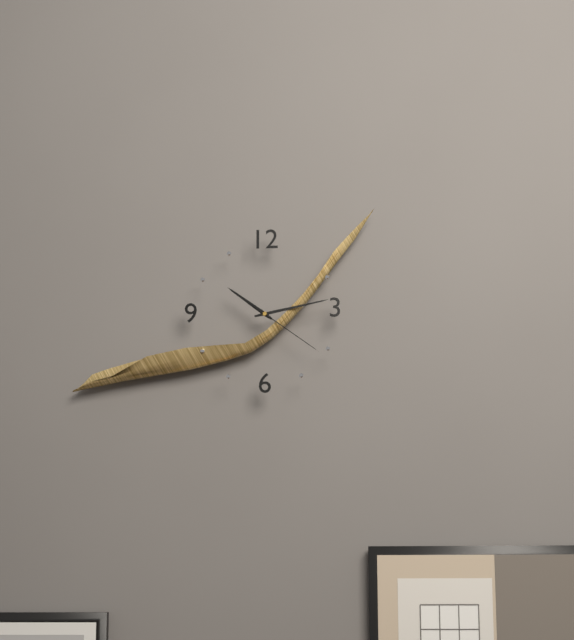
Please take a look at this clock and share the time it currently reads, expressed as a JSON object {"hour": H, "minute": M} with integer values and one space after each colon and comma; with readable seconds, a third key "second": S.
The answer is {"hour": 10, "minute": 13, "second": 21}
